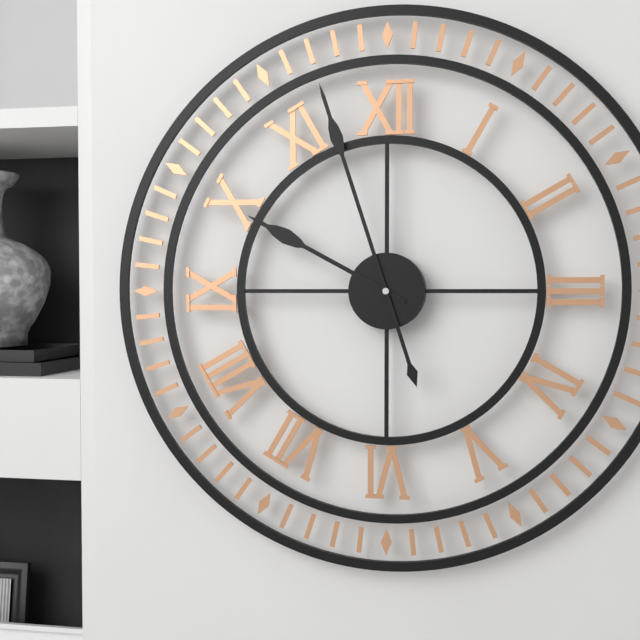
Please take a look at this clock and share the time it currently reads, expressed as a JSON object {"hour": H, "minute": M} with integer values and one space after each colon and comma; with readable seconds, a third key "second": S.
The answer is {"hour": 9, "minute": 57}
